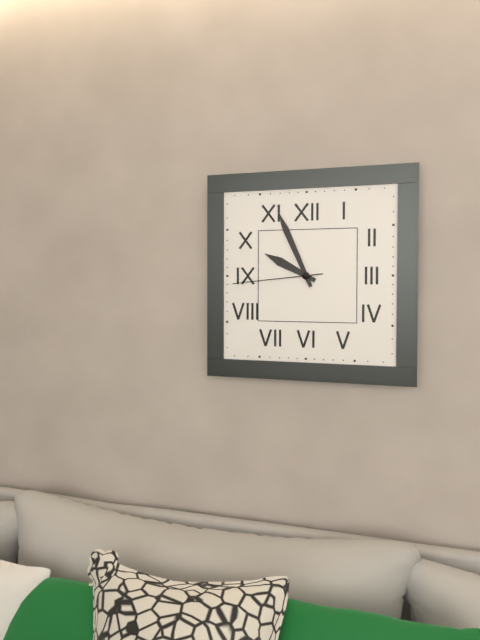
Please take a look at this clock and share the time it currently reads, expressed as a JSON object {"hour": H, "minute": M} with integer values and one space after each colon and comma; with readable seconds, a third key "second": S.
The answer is {"hour": 9, "minute": 56, "second": 44}
